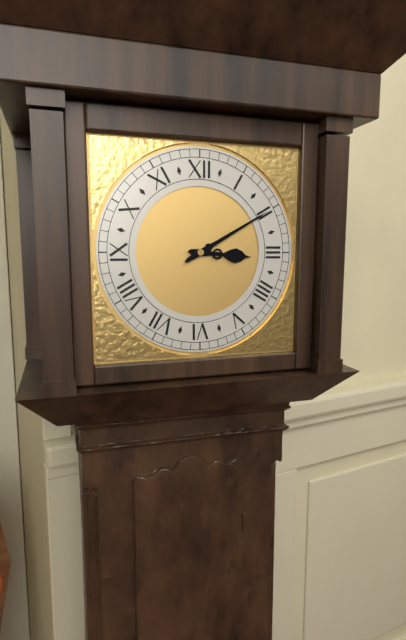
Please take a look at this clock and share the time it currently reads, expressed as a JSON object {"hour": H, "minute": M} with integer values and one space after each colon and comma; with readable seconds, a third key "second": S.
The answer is {"hour": 3, "minute": 10}
